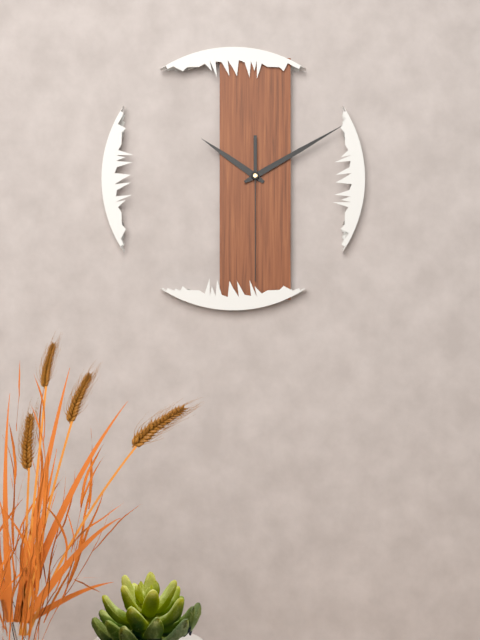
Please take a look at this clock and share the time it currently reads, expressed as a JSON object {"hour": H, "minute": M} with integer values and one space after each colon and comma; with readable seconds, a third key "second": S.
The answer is {"hour": 10, "minute": 10, "second": 30}
